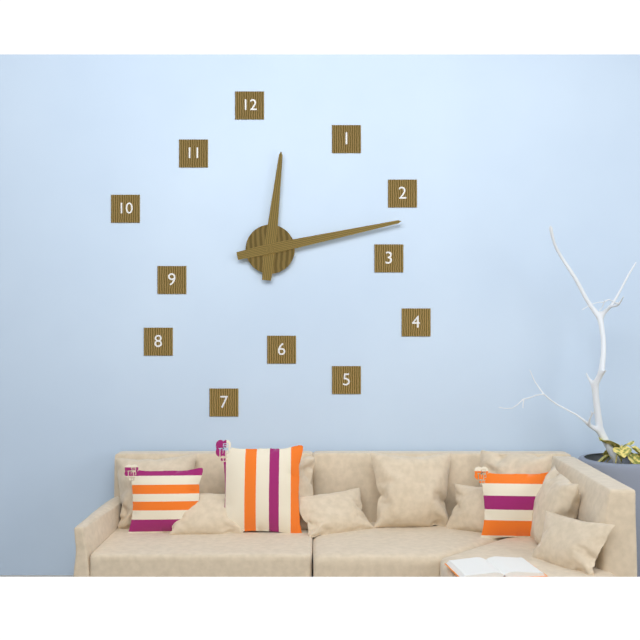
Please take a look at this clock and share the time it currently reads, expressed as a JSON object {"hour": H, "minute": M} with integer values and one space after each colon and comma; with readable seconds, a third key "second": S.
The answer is {"hour": 12, "minute": 13}
